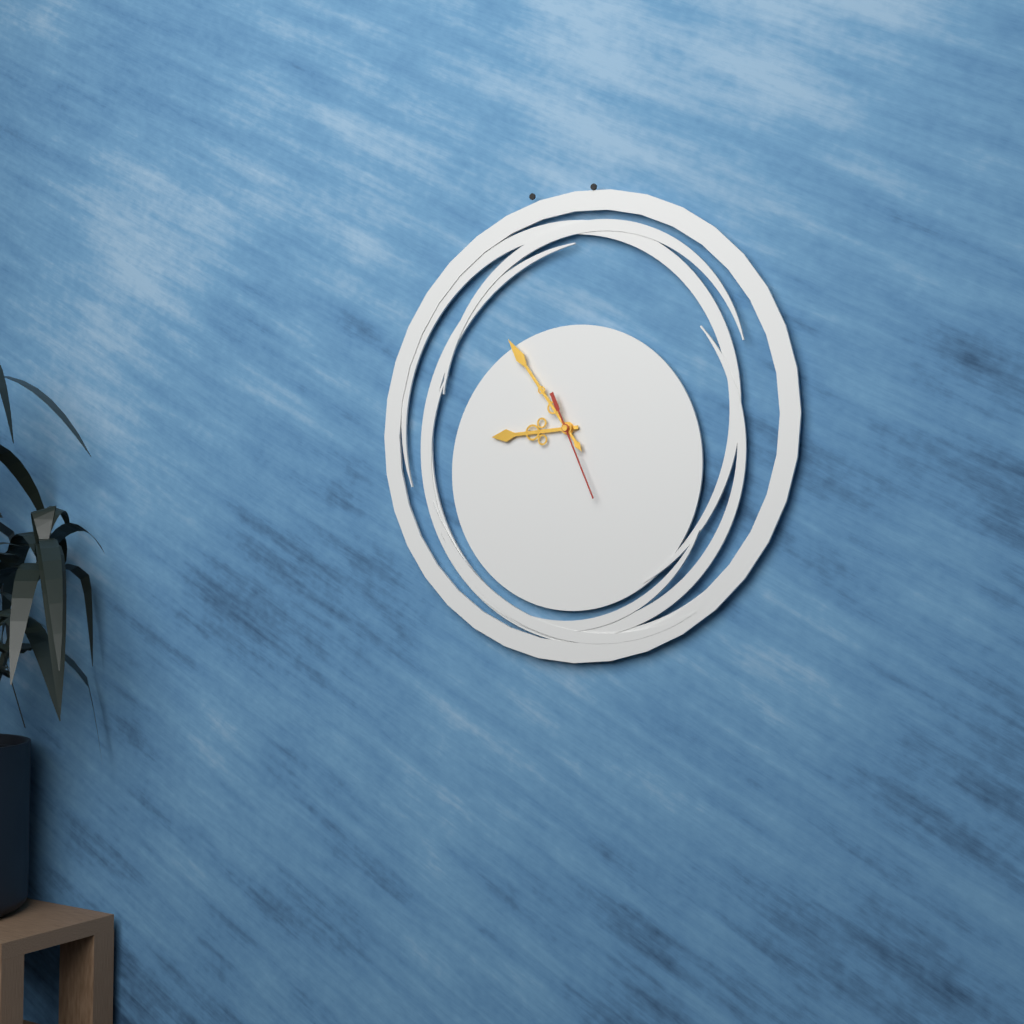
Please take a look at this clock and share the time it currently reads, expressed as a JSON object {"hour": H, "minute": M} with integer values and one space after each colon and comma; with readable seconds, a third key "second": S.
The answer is {"hour": 8, "minute": 54, "second": 26}
